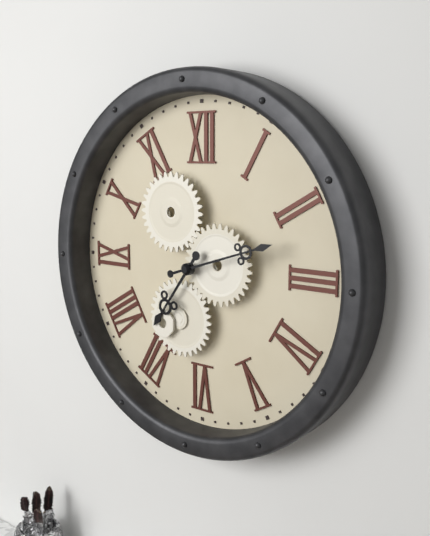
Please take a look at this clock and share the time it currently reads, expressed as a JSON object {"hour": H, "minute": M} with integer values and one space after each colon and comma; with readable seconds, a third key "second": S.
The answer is {"hour": 7, "minute": 12}
